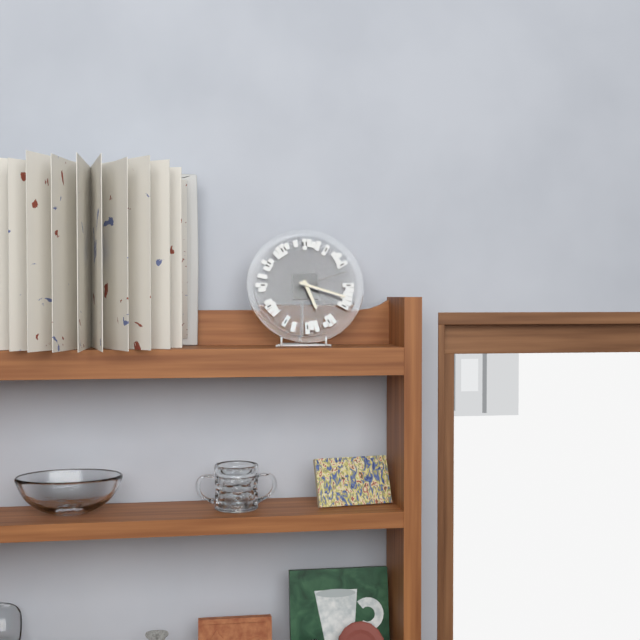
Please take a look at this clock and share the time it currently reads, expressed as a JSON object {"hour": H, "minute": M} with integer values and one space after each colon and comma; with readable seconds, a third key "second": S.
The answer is {"hour": 5, "minute": 18, "second": 12}
